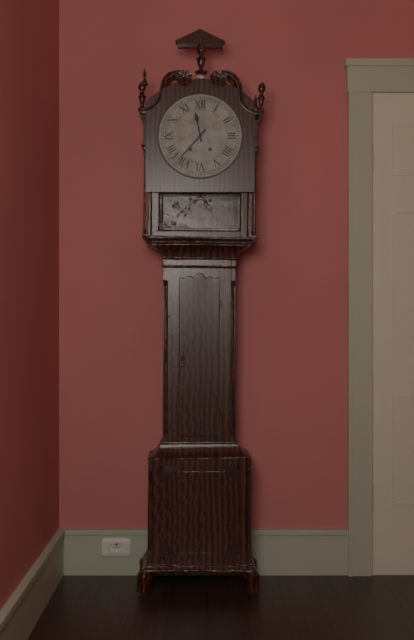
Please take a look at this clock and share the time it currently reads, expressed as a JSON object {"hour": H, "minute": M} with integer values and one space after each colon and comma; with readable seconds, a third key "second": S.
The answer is {"hour": 11, "minute": 37}
